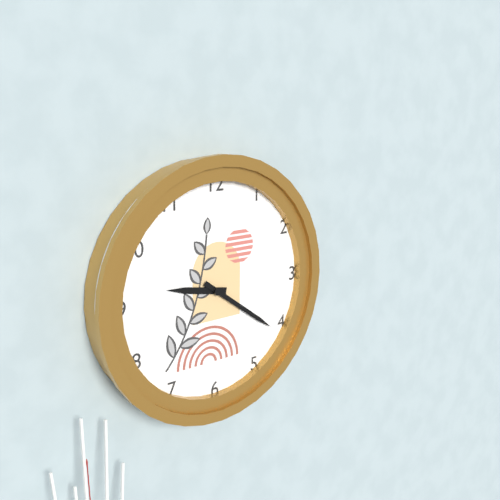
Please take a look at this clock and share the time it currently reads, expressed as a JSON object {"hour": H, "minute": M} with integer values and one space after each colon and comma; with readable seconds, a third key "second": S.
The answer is {"hour": 9, "minute": 21}
